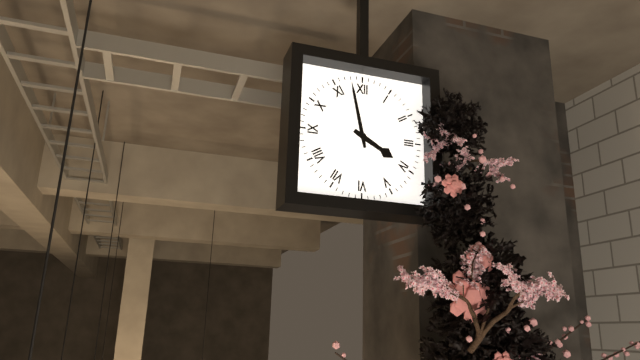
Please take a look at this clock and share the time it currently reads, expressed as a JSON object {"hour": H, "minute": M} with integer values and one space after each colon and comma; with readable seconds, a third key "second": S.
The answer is {"hour": 3, "minute": 58}
